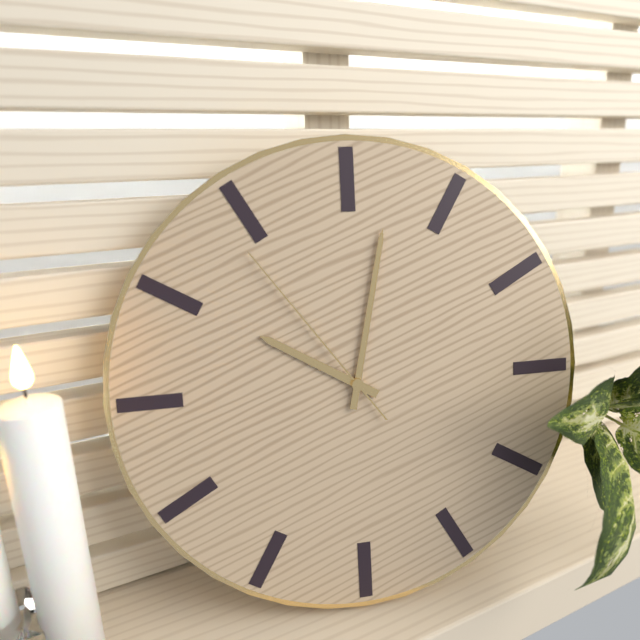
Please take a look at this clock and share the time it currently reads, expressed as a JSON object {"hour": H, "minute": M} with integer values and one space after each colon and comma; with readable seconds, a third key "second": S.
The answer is {"hour": 10, "minute": 2, "second": 54}
